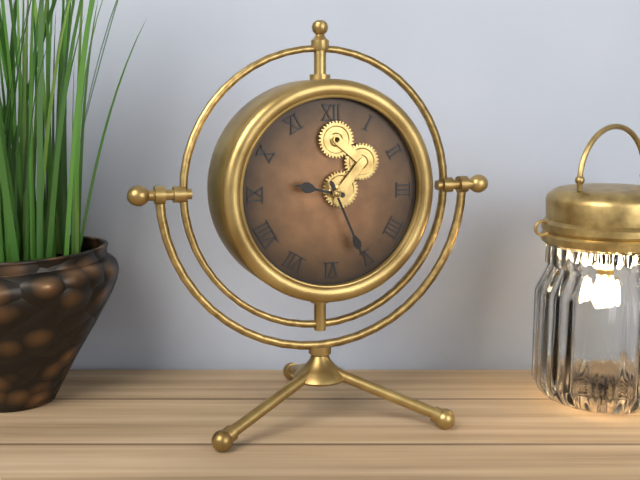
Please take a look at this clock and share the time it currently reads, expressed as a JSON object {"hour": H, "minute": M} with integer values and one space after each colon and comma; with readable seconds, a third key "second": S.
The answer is {"hour": 9, "minute": 26}
